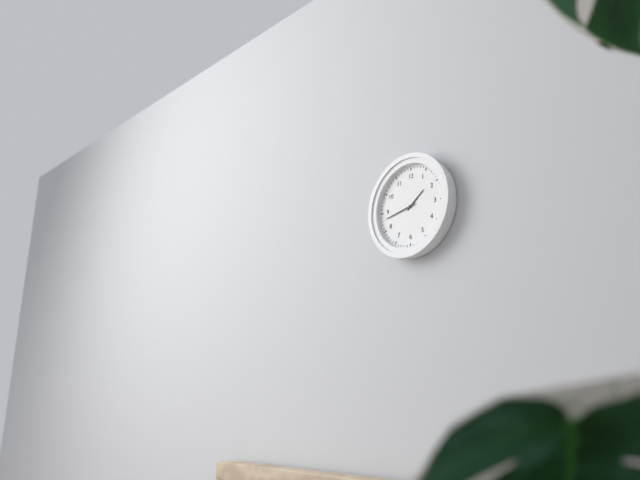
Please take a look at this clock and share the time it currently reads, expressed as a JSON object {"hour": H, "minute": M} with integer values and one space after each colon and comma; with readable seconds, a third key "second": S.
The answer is {"hour": 1, "minute": 43}
